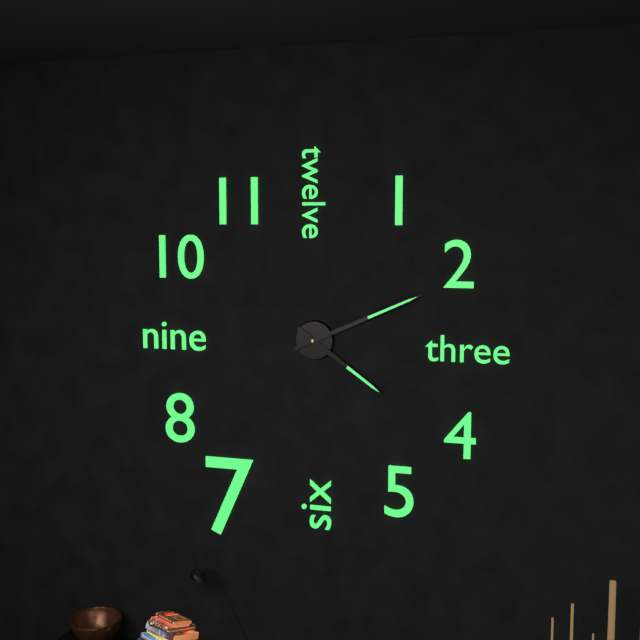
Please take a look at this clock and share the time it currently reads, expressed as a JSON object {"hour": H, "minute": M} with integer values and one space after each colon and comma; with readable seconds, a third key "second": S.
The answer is {"hour": 4, "minute": 11}
